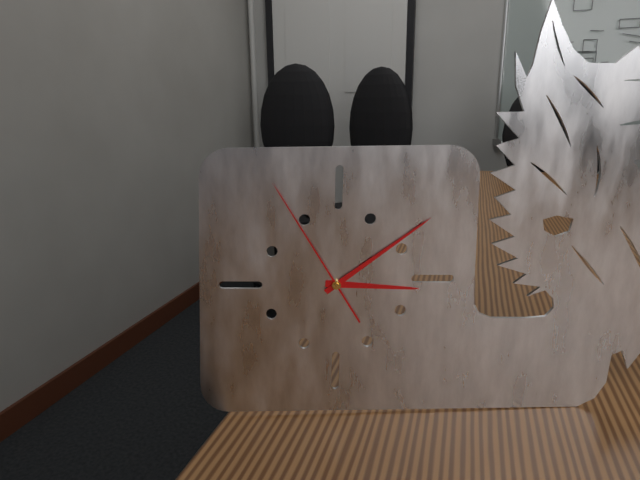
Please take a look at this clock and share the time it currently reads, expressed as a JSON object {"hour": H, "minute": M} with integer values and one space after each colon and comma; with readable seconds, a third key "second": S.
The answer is {"hour": 3, "minute": 9, "second": 55}
